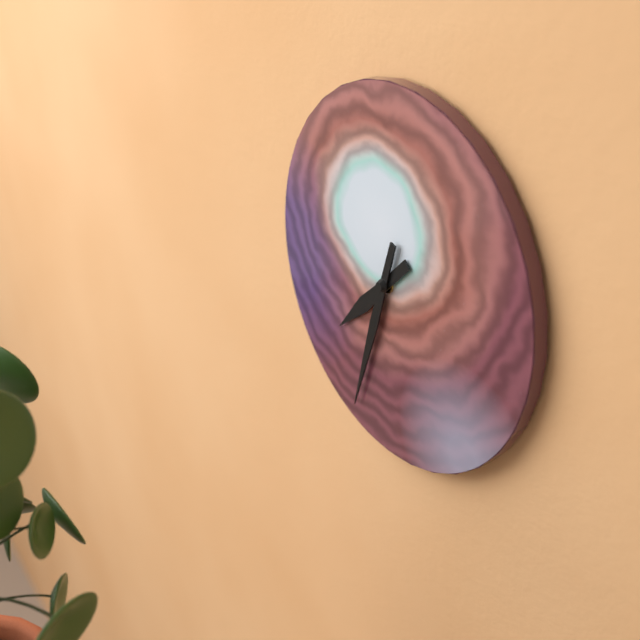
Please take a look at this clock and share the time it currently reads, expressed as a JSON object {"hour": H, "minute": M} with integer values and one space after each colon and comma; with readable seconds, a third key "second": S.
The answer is {"hour": 7, "minute": 33}
